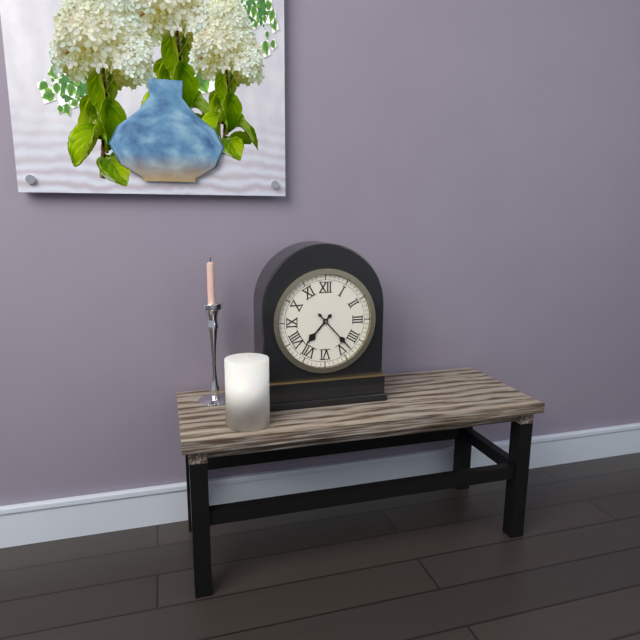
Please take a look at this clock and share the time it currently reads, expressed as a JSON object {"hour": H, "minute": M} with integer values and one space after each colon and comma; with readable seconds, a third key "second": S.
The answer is {"hour": 7, "minute": 23}
